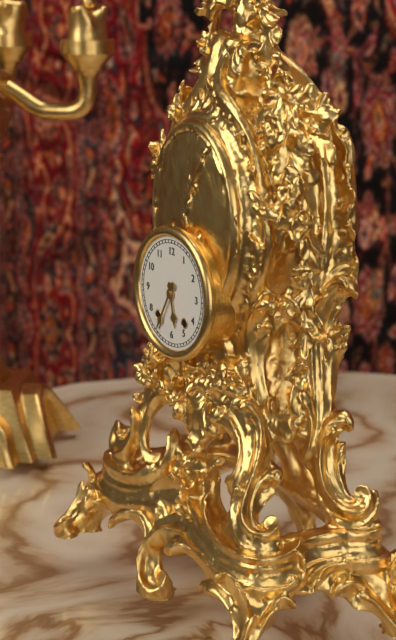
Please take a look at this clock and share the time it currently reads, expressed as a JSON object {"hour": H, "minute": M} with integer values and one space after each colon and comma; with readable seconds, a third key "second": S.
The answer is {"hour": 5, "minute": 35}
